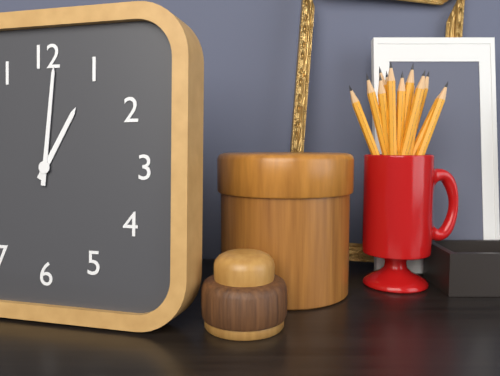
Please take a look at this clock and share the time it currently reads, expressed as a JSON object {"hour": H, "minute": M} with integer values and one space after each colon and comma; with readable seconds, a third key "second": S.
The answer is {"hour": 1, "minute": 1}
